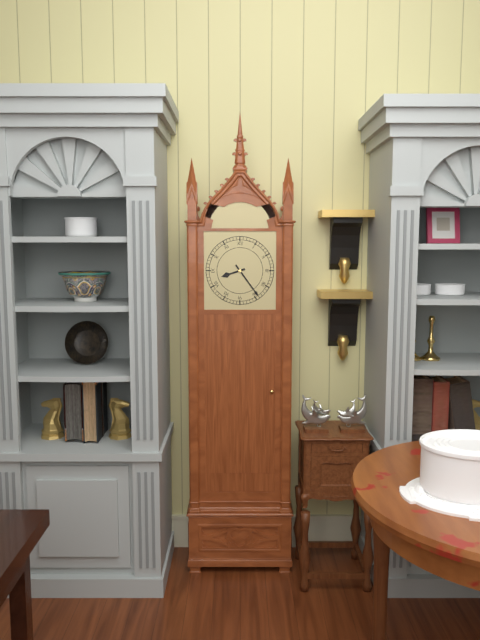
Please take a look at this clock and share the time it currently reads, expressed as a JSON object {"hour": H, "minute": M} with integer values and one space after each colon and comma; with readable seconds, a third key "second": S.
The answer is {"hour": 8, "minute": 24}
